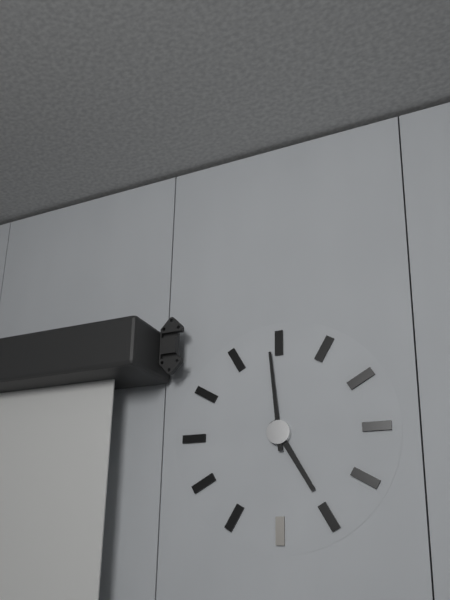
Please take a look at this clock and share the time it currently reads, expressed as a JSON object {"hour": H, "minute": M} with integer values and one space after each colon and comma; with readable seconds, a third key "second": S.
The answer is {"hour": 4, "minute": 59}
